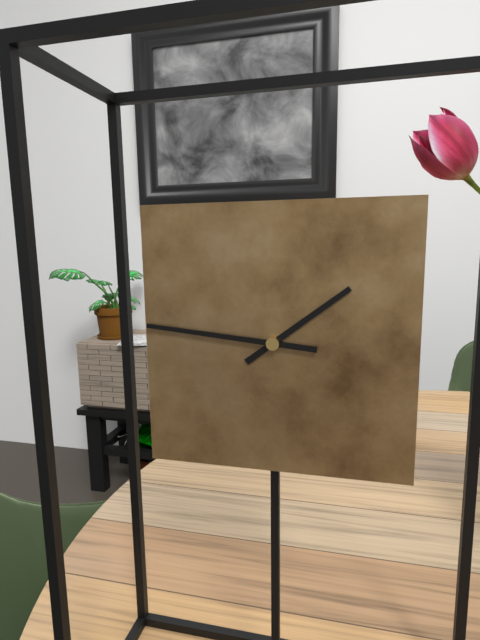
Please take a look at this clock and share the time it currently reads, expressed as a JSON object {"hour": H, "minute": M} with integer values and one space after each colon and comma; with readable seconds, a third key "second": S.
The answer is {"hour": 1, "minute": 46}
